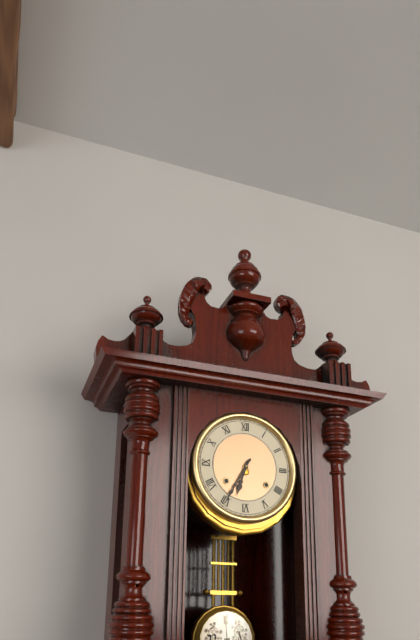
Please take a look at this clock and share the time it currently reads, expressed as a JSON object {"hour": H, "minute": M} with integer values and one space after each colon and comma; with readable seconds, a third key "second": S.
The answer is {"hour": 6, "minute": 35}
